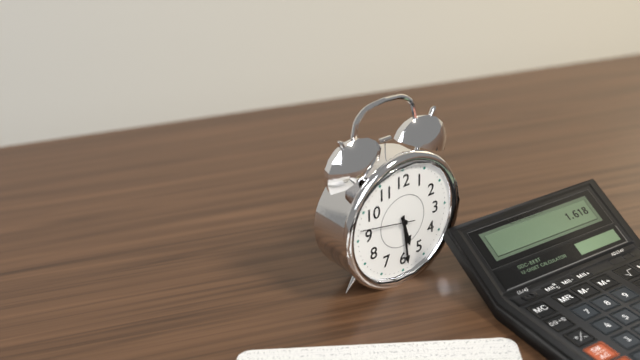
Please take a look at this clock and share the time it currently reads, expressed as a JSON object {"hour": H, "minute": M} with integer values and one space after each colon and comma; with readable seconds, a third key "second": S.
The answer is {"hour": 5, "minute": 29, "second": 47}
